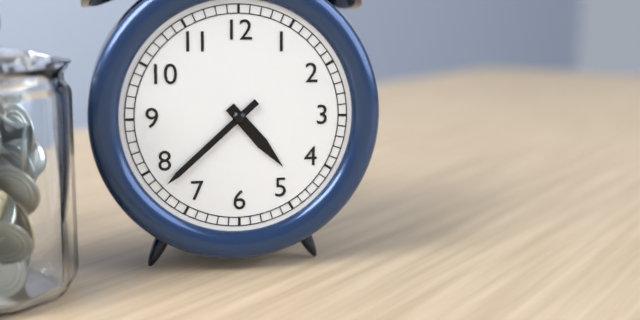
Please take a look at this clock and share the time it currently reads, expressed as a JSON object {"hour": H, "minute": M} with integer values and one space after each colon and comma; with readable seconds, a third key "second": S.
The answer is {"hour": 4, "minute": 38}
